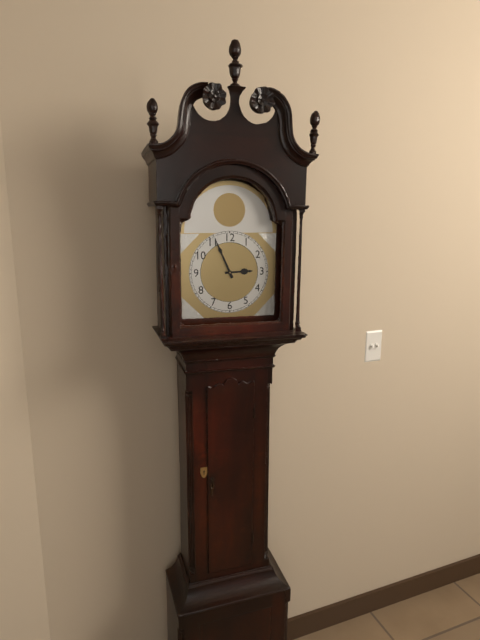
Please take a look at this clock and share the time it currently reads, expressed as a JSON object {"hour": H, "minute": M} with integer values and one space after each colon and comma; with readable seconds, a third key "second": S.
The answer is {"hour": 2, "minute": 56}
